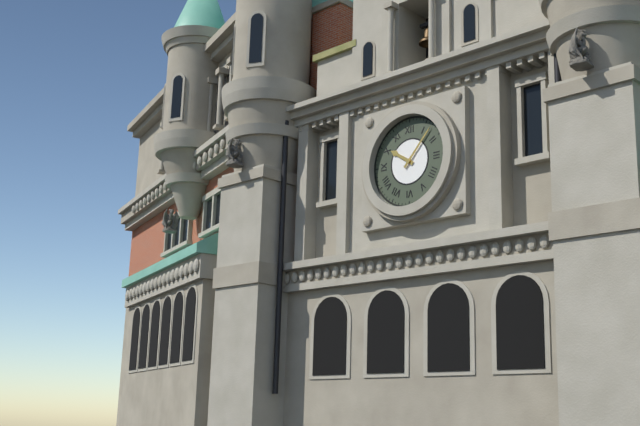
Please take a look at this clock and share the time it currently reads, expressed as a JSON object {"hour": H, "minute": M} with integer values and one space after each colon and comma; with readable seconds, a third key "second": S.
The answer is {"hour": 10, "minute": 7}
